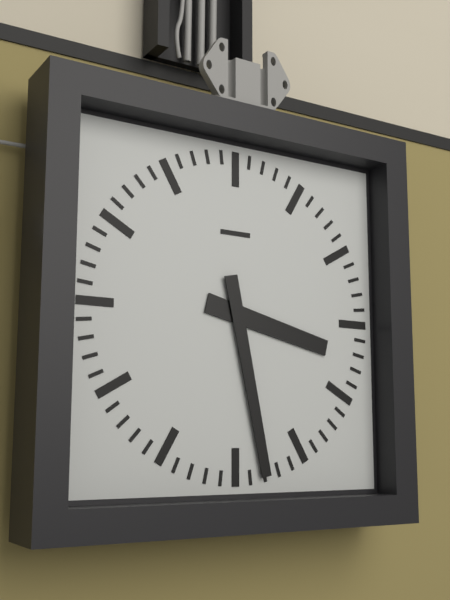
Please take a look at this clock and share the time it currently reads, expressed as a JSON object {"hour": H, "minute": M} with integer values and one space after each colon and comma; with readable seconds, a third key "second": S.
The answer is {"hour": 3, "minute": 28}
